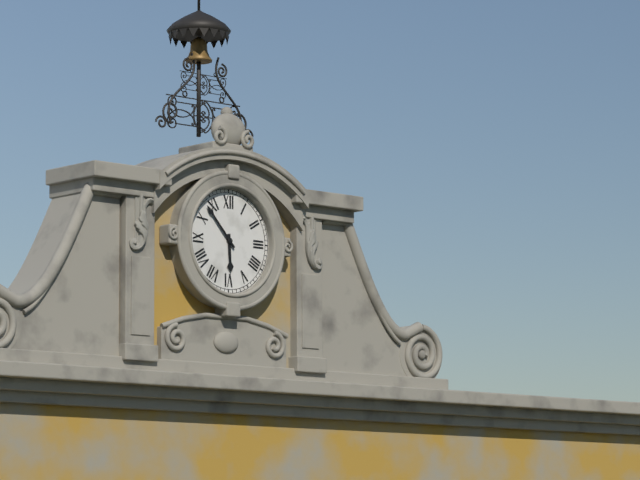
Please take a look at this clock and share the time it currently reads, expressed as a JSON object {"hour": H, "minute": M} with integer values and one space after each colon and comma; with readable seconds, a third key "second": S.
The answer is {"hour": 5, "minute": 53}
